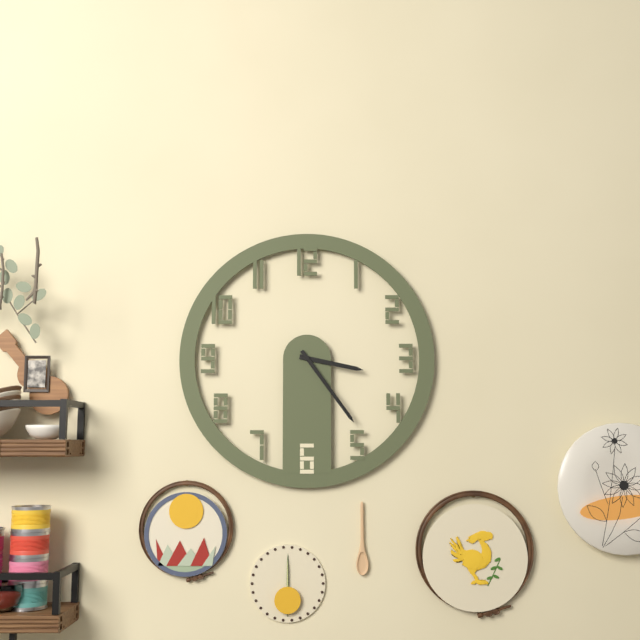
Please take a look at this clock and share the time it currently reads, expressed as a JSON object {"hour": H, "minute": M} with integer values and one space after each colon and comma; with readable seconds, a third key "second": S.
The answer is {"hour": 3, "minute": 24}
